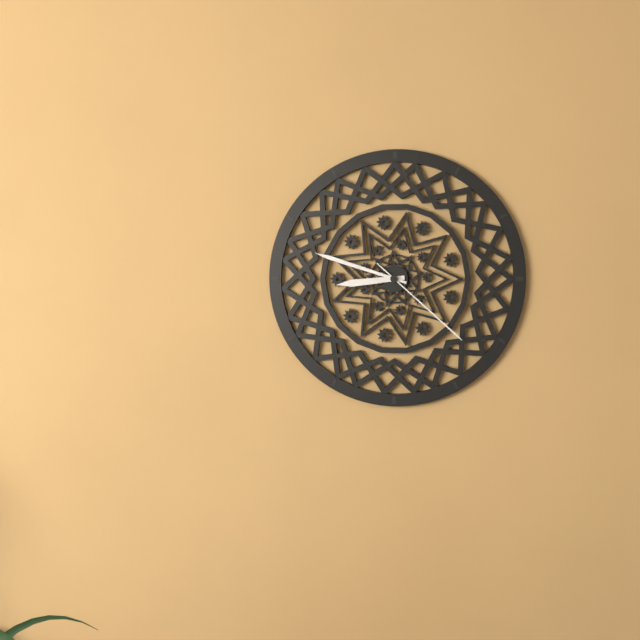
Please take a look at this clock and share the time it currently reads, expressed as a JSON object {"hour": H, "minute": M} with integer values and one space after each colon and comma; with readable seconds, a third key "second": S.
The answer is {"hour": 8, "minute": 48, "second": 22}
